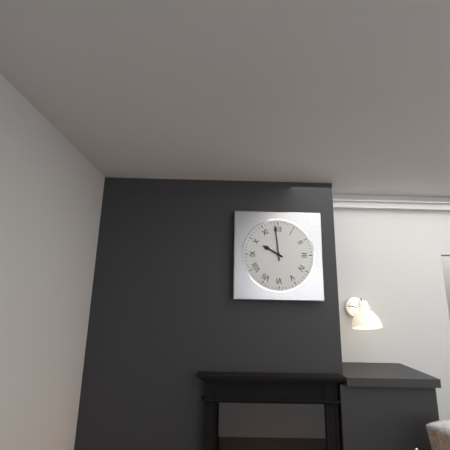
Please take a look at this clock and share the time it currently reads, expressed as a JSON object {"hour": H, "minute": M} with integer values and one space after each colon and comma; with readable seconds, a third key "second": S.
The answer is {"hour": 9, "minute": 59}
